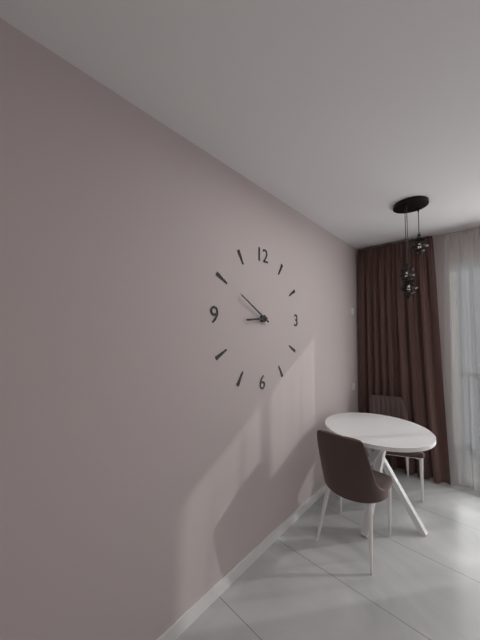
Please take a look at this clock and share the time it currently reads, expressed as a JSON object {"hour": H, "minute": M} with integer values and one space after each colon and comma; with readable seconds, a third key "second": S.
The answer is {"hour": 8, "minute": 50}
